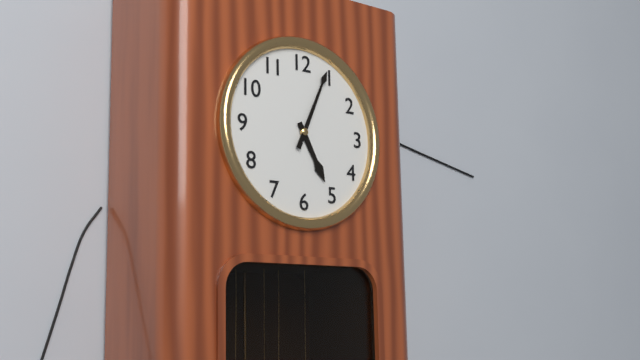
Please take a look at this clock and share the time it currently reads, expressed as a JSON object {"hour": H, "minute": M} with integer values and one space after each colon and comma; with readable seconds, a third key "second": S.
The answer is {"hour": 5, "minute": 4}
